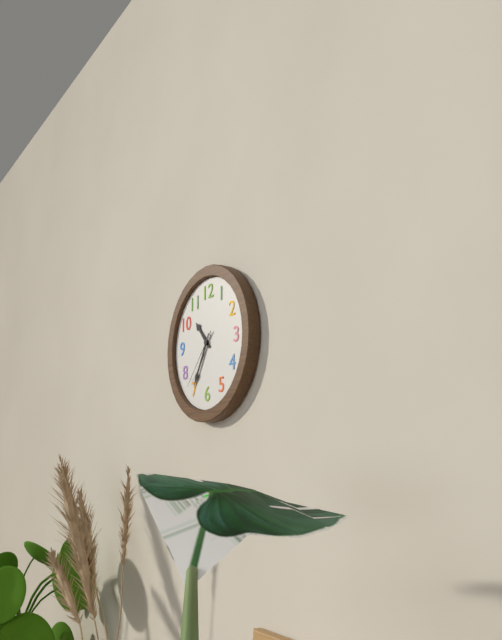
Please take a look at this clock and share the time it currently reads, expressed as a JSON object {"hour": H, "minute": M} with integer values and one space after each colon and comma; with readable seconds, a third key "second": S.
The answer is {"hour": 10, "minute": 35, "second": 37}
